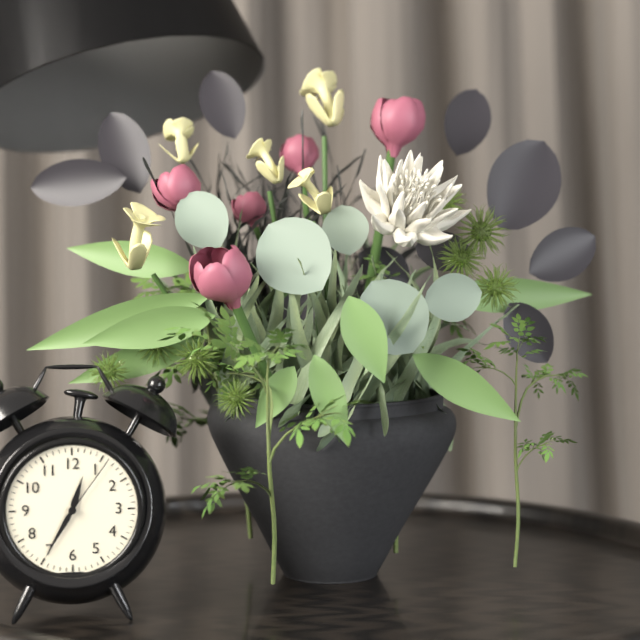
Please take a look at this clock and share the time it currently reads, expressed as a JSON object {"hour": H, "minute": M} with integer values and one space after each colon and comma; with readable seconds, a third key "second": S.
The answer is {"hour": 12, "minute": 35, "second": 6}
